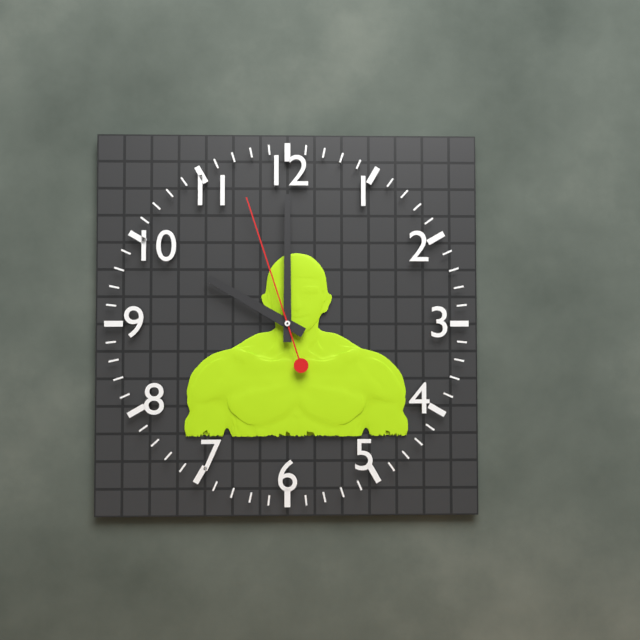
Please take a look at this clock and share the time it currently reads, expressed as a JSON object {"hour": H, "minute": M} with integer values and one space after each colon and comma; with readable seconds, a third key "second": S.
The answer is {"hour": 10, "minute": 0, "second": 57}
